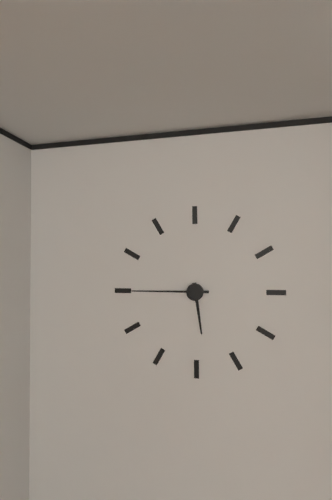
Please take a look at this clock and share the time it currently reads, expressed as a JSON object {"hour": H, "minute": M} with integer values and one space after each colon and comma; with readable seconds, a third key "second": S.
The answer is {"hour": 5, "minute": 45}
